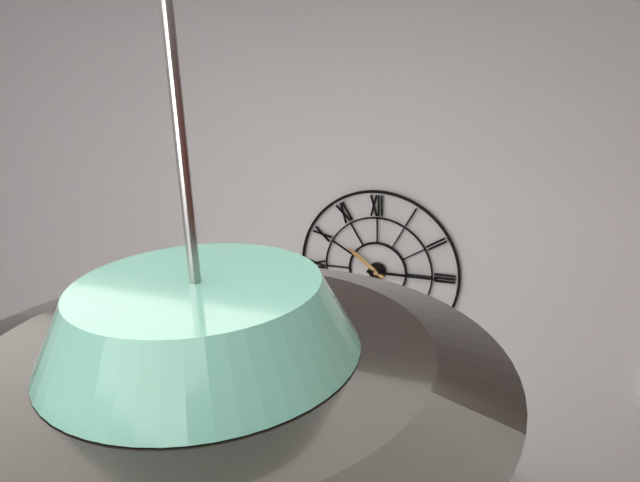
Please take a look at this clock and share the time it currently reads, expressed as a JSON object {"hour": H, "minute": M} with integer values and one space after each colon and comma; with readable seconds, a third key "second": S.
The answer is {"hour": 10, "minute": 15}
